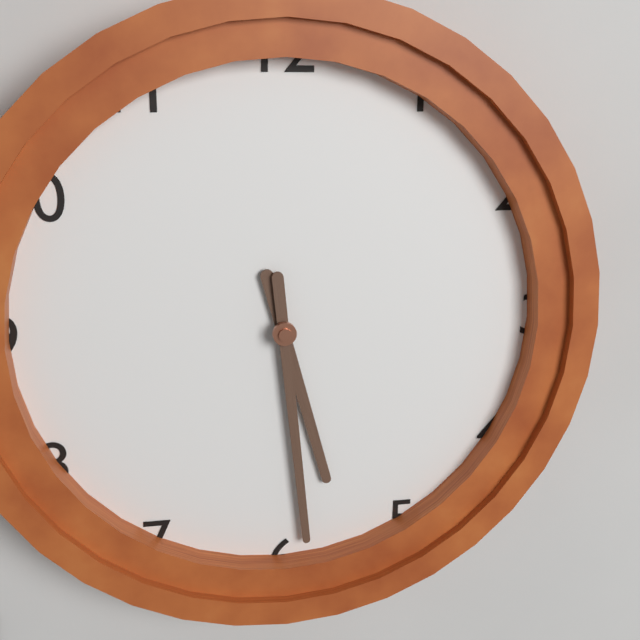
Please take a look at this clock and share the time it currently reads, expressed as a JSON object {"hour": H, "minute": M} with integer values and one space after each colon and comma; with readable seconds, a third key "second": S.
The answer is {"hour": 5, "minute": 29}
